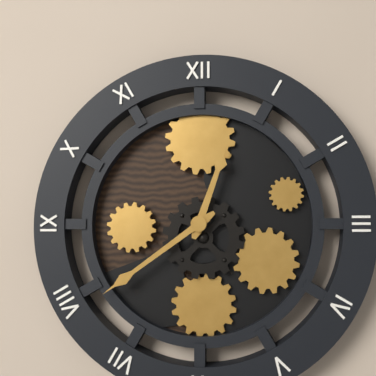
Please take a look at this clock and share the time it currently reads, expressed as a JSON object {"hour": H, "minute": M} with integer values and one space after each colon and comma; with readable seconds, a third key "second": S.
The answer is {"hour": 12, "minute": 39}
